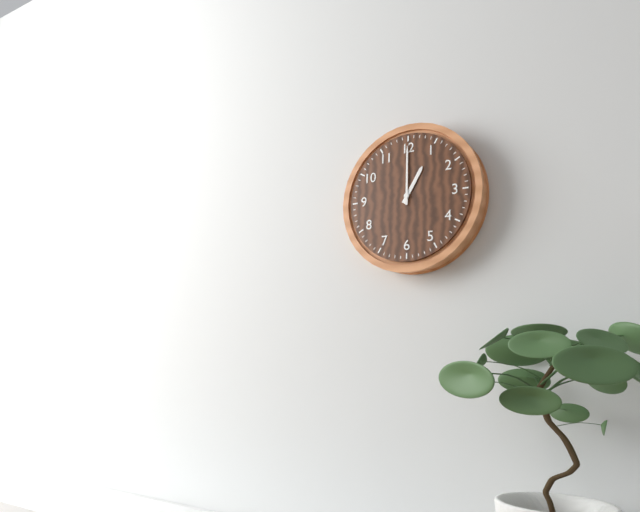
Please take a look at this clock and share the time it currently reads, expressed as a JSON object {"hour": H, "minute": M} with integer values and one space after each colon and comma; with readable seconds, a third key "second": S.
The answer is {"hour": 1, "minute": 0}
